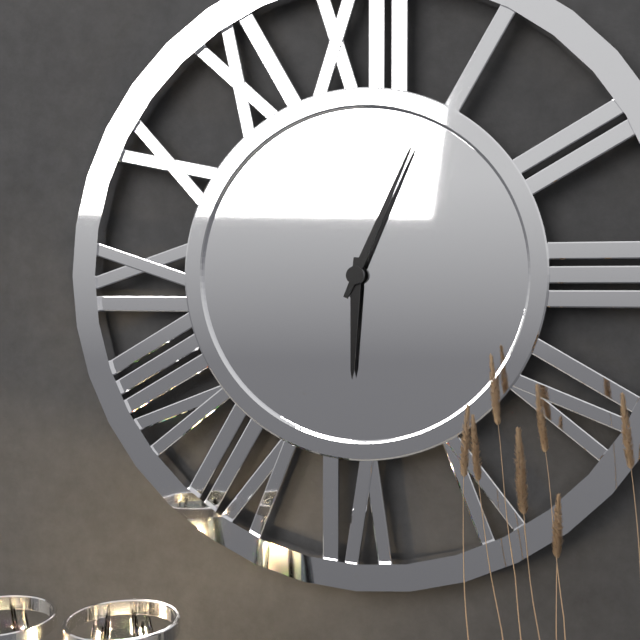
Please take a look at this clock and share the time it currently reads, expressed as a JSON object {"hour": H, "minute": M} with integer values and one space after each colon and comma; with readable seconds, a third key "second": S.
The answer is {"hour": 6, "minute": 4}
